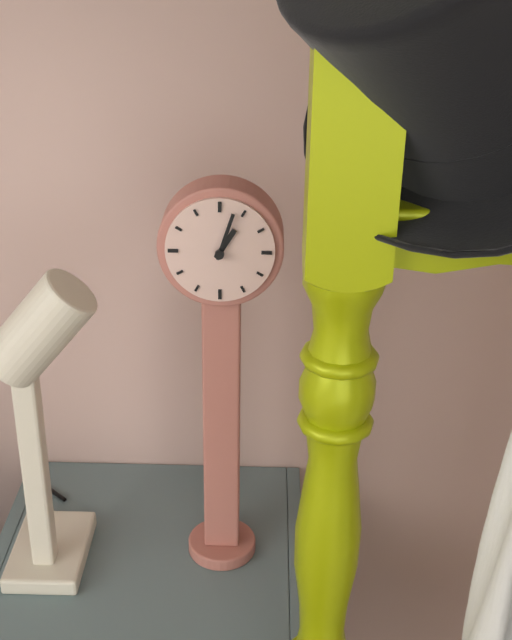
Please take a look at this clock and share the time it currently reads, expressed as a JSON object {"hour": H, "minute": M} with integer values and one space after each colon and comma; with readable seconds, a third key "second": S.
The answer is {"hour": 1, "minute": 3}
